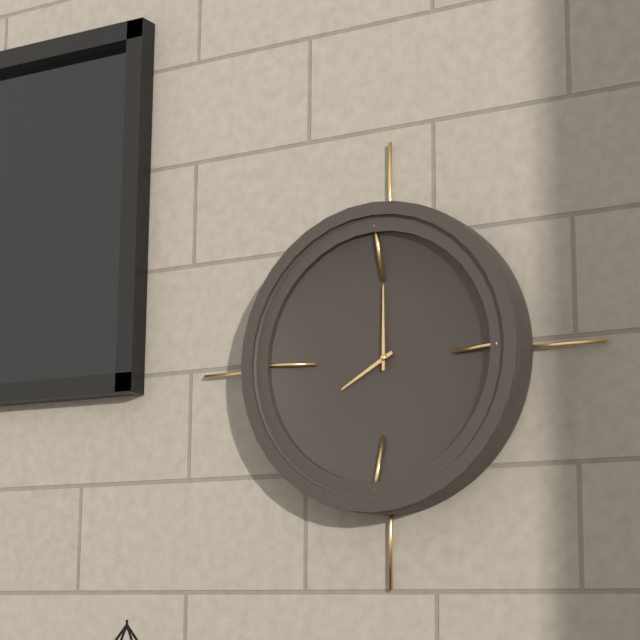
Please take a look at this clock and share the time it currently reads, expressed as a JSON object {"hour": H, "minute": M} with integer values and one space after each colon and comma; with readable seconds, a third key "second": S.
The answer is {"hour": 8, "minute": 0}
